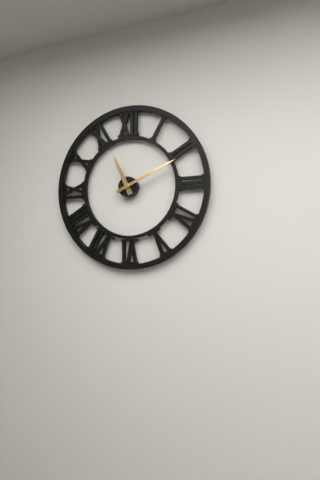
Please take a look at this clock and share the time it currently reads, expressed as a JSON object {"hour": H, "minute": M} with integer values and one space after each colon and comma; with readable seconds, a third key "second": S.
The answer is {"hour": 11, "minute": 11}
